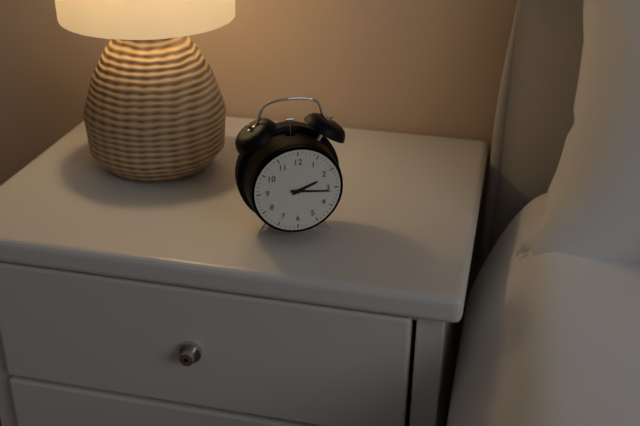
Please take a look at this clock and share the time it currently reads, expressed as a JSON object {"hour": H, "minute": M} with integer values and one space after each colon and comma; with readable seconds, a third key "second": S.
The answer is {"hour": 2, "minute": 16}
